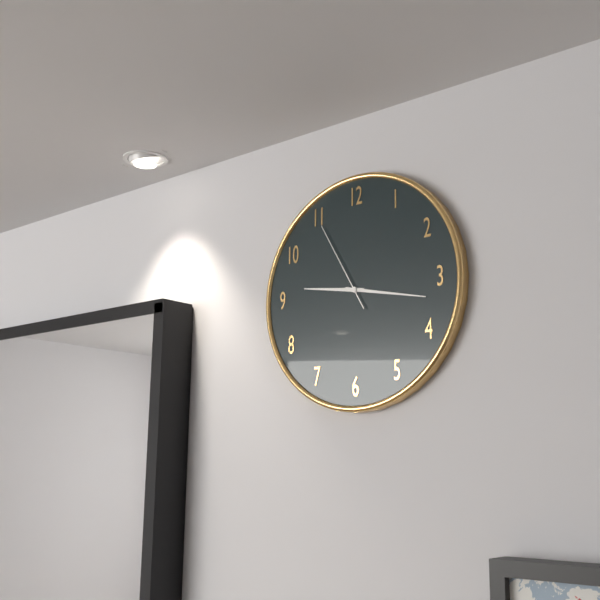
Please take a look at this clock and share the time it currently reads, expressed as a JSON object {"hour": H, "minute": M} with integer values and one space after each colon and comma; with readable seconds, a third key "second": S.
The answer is {"hour": 9, "minute": 17, "second": 55}
